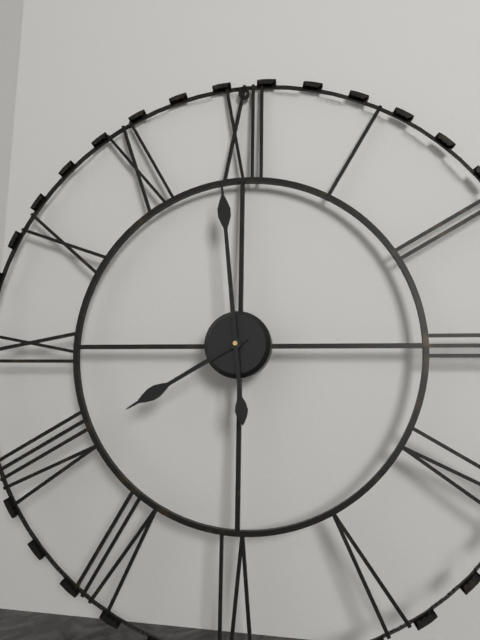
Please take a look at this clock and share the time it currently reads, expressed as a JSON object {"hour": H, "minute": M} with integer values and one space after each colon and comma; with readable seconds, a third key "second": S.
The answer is {"hour": 7, "minute": 59}
